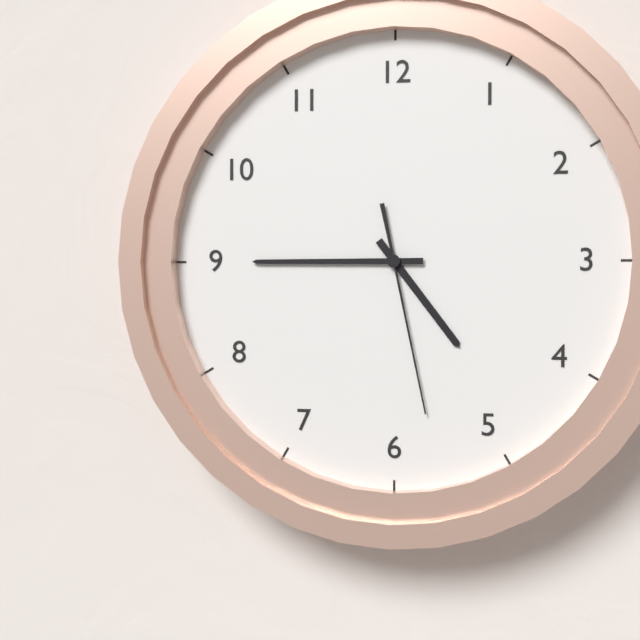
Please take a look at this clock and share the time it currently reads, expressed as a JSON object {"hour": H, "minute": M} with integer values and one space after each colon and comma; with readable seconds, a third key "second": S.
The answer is {"hour": 4, "minute": 45, "second": 28}
